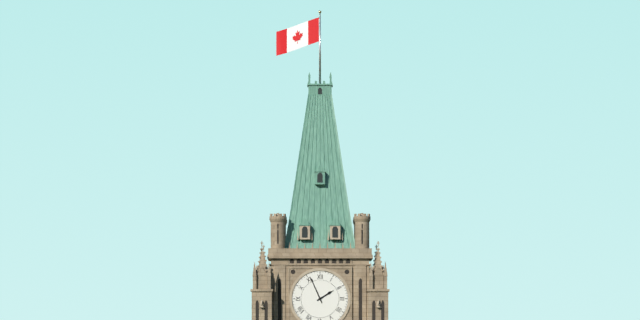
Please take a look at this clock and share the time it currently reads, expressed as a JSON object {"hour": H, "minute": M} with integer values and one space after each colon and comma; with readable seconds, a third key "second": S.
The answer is {"hour": 1, "minute": 56}
